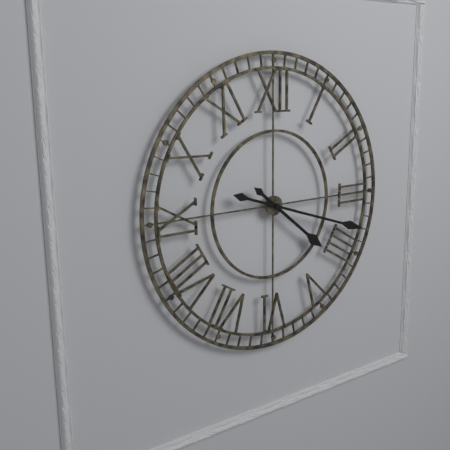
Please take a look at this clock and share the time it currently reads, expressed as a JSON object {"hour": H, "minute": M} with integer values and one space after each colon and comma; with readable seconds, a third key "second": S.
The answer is {"hour": 4, "minute": 18}
